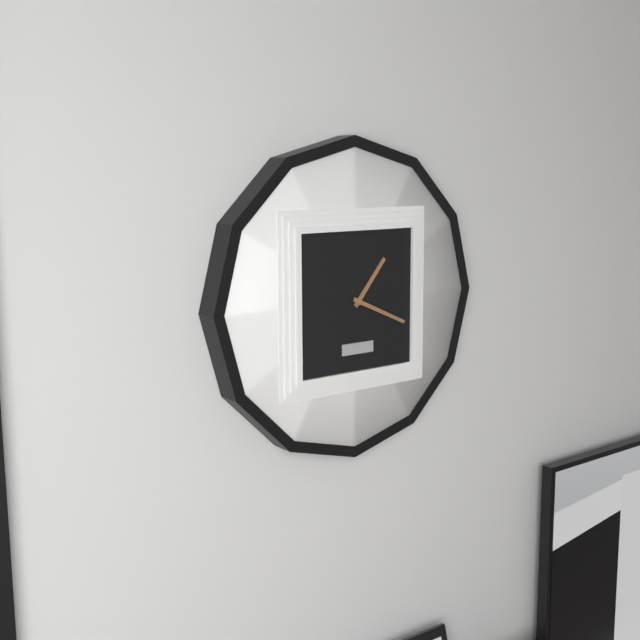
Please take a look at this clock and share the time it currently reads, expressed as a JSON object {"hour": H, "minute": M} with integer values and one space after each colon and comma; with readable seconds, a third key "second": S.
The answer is {"hour": 1, "minute": 19}
